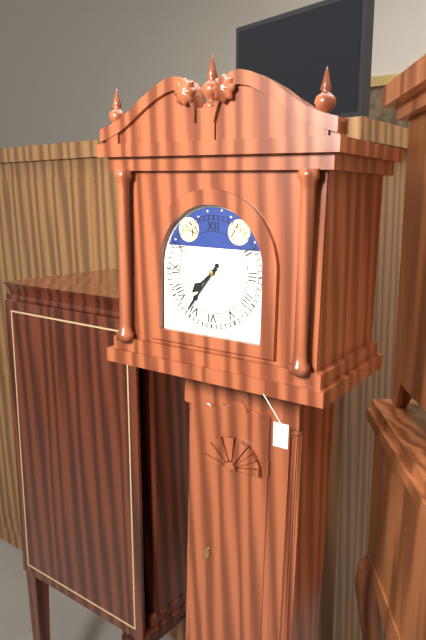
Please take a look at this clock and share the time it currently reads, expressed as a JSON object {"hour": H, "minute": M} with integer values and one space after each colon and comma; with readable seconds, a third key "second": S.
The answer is {"hour": 7, "minute": 36}
